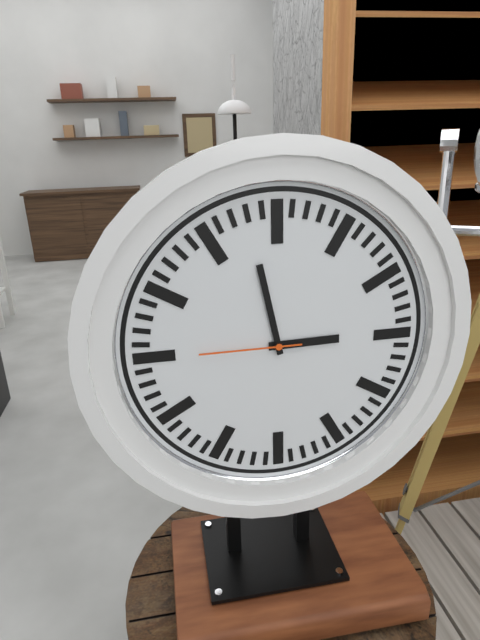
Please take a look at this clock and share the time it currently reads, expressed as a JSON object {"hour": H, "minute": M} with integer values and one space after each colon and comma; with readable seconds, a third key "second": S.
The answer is {"hour": 2, "minute": 58, "second": 45}
